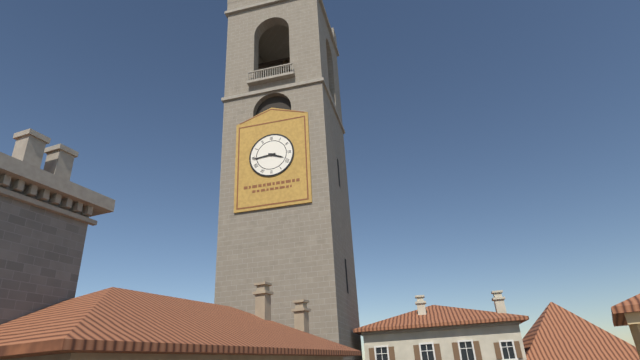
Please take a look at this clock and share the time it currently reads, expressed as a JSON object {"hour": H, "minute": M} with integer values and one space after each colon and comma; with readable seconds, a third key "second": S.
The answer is {"hour": 3, "minute": 44}
